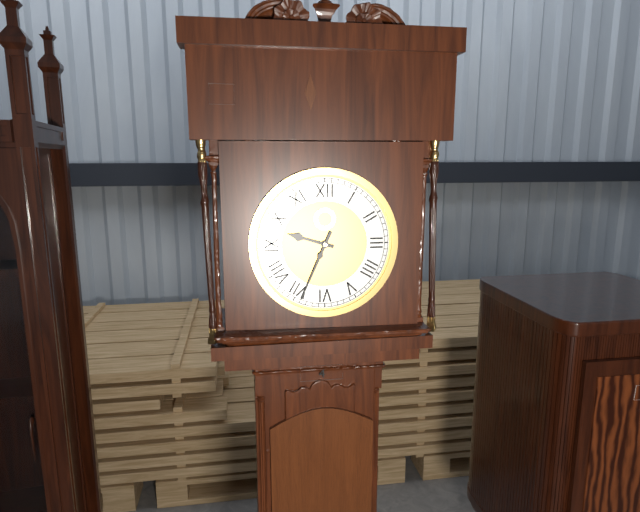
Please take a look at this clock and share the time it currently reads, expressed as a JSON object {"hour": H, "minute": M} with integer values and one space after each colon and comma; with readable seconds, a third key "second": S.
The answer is {"hour": 9, "minute": 34}
